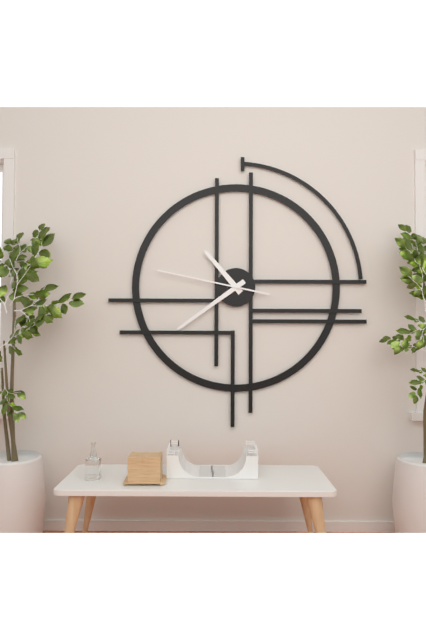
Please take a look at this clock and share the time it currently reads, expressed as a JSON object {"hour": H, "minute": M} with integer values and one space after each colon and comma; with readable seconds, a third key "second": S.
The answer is {"hour": 10, "minute": 39, "second": 47}
